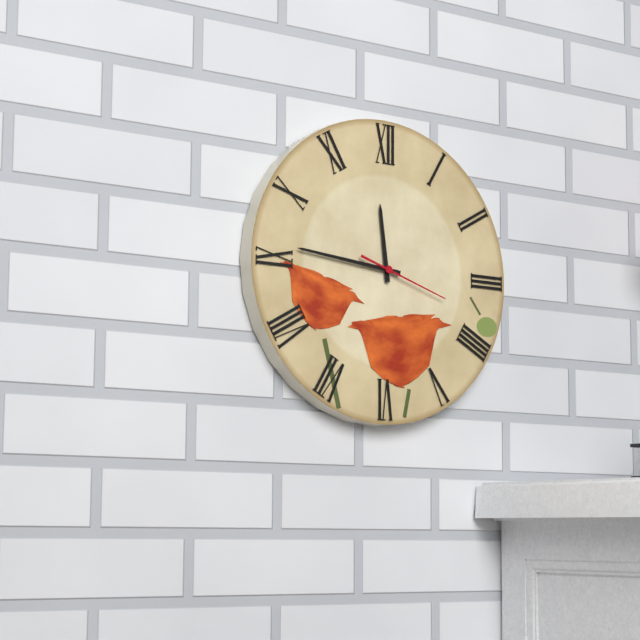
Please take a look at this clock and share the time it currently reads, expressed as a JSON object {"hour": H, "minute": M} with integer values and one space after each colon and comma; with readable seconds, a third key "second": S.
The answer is {"hour": 11, "minute": 46, "second": 18}
